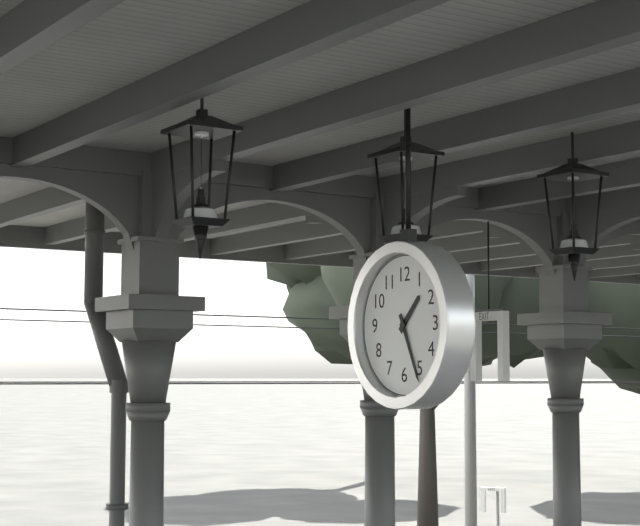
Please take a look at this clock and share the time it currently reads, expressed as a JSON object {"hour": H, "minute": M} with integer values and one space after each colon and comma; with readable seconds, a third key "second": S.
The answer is {"hour": 1, "minute": 26}
